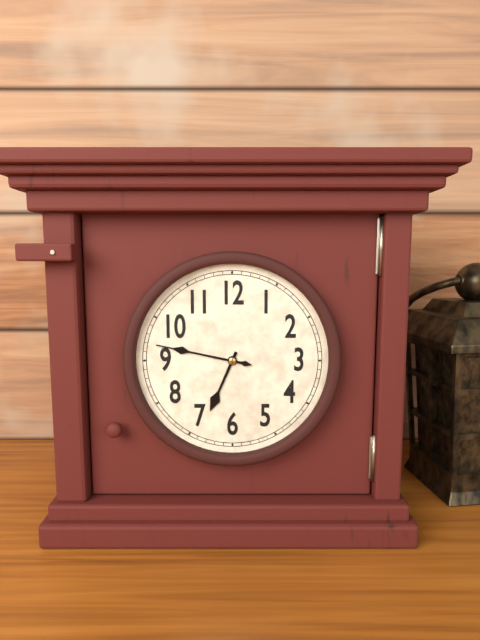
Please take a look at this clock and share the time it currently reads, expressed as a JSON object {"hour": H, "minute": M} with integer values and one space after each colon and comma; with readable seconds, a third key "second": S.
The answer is {"hour": 6, "minute": 47}
